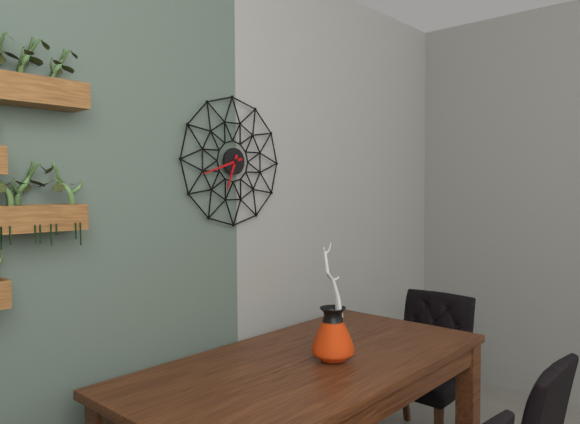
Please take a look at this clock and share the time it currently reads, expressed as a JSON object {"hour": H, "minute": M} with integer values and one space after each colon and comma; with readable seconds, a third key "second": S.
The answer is {"hour": 6, "minute": 42}
